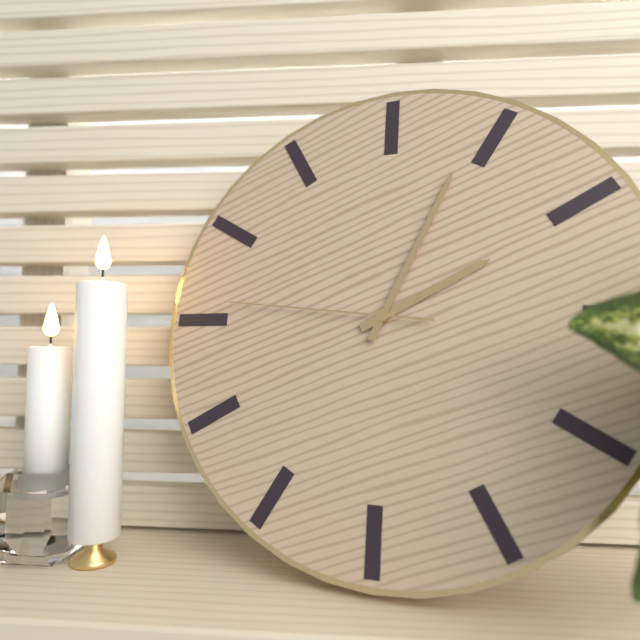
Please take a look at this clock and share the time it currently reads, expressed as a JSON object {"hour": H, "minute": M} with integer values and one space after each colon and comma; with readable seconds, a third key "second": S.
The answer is {"hour": 2, "minute": 4, "second": 46}
